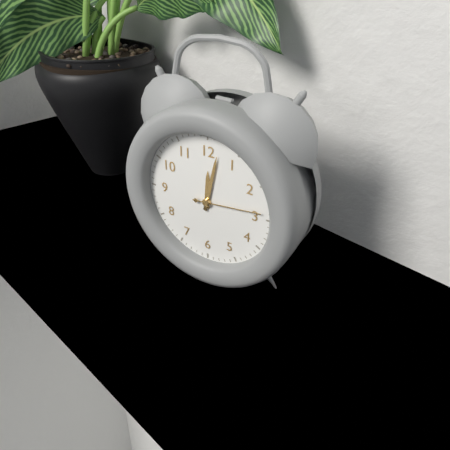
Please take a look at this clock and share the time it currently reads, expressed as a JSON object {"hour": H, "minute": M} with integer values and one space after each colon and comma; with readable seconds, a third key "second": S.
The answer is {"hour": 12, "minute": 2, "second": 14}
